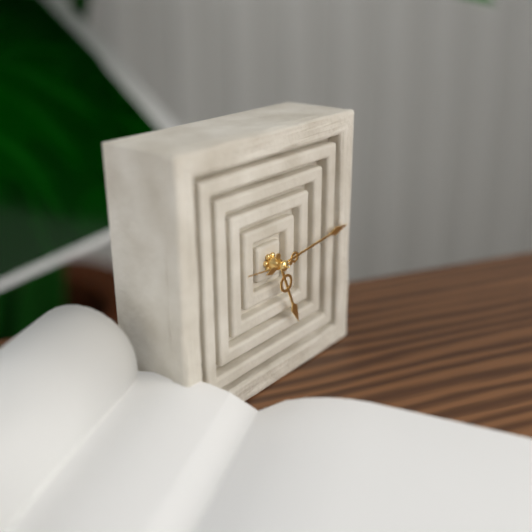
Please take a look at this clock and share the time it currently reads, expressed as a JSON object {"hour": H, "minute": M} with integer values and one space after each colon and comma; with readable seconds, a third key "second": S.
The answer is {"hour": 5, "minute": 14}
